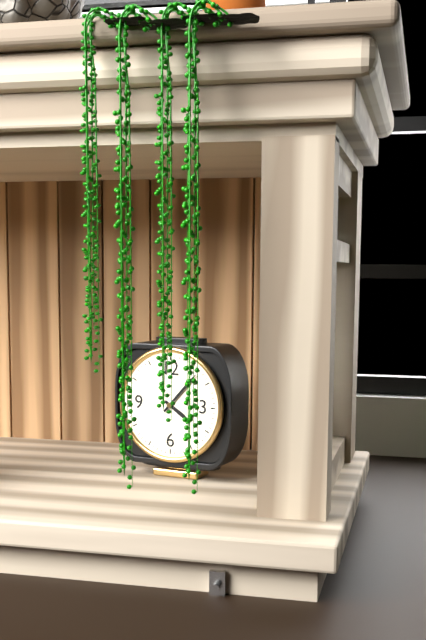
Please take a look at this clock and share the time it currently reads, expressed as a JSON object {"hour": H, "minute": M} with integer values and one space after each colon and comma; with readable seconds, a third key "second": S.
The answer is {"hour": 4, "minute": 7}
